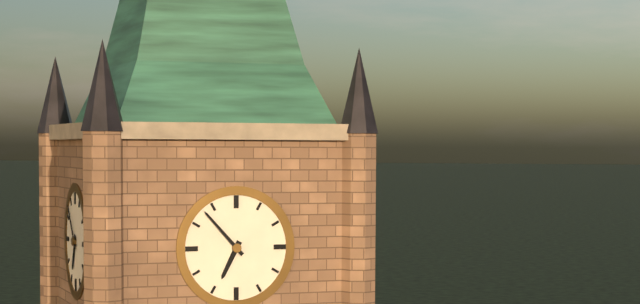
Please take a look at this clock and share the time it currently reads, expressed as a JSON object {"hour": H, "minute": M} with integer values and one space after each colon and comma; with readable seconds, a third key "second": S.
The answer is {"hour": 6, "minute": 53}
